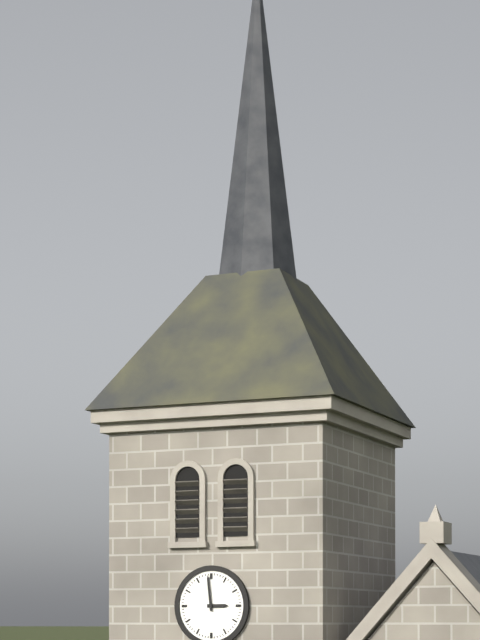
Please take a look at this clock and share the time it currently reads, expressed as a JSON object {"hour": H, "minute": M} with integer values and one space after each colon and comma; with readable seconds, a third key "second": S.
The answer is {"hour": 2, "minute": 59}
